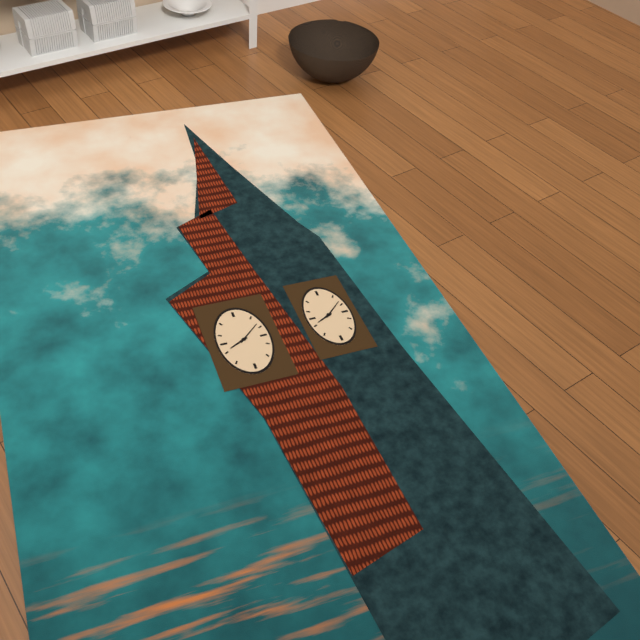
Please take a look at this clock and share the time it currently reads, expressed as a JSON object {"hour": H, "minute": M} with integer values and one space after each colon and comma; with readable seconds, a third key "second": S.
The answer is {"hour": 8, "minute": 8}
